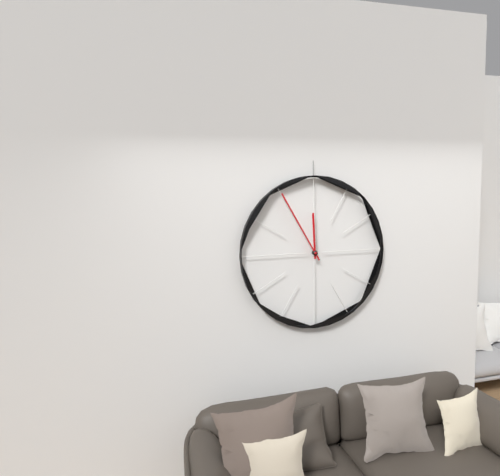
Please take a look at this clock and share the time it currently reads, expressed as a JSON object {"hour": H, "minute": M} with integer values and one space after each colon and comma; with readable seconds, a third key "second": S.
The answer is {"hour": 11, "minute": 55}
